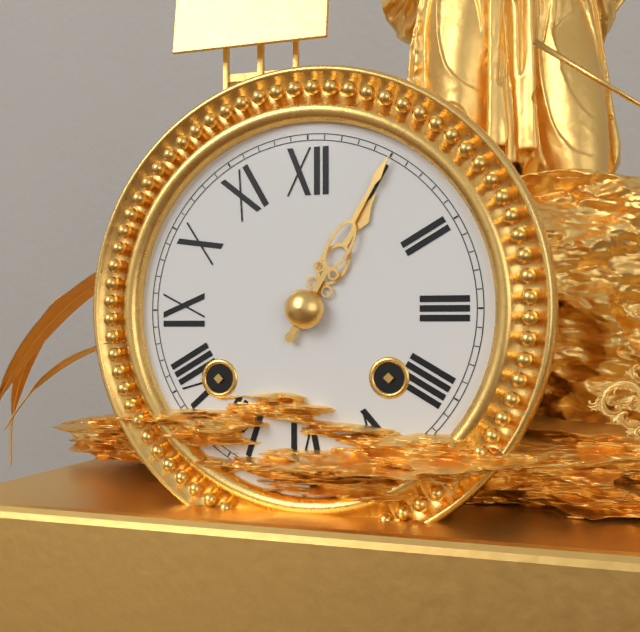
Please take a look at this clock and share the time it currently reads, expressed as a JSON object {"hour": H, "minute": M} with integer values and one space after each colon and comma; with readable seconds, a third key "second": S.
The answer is {"hour": 1, "minute": 5}
